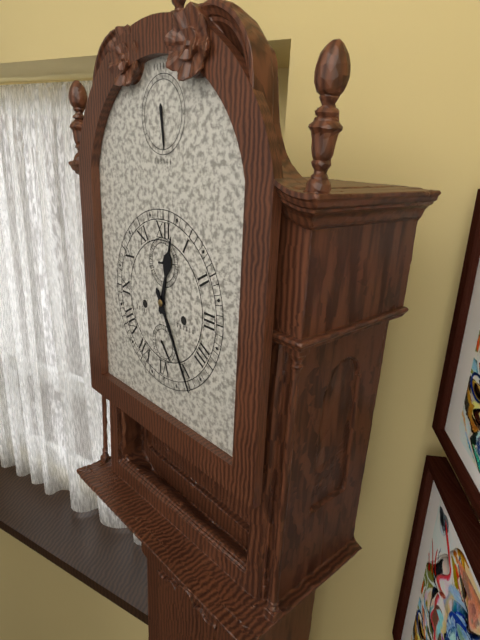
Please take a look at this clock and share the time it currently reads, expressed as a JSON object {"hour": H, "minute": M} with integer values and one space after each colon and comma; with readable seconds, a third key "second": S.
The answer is {"hour": 12, "minute": 25}
